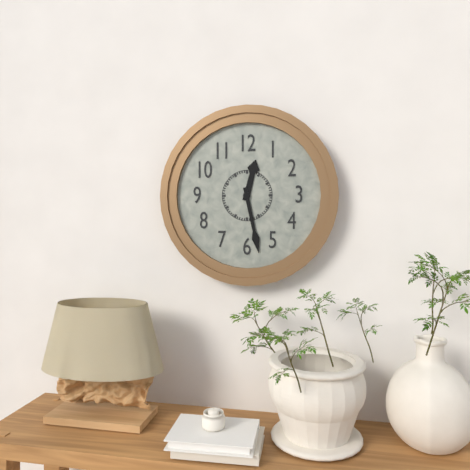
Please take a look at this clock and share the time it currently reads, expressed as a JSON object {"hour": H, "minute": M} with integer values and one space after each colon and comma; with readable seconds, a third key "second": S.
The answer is {"hour": 12, "minute": 28}
